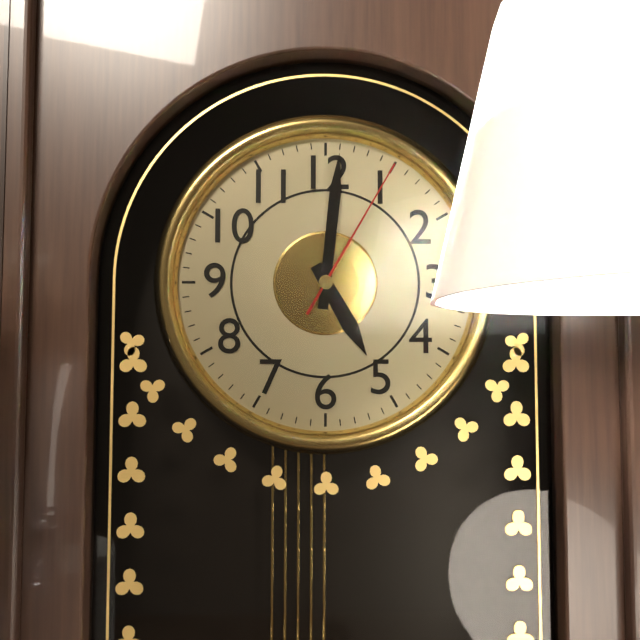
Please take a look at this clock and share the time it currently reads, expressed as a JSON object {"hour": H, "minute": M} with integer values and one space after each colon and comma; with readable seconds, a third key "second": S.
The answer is {"hour": 5, "minute": 1, "second": 5}
